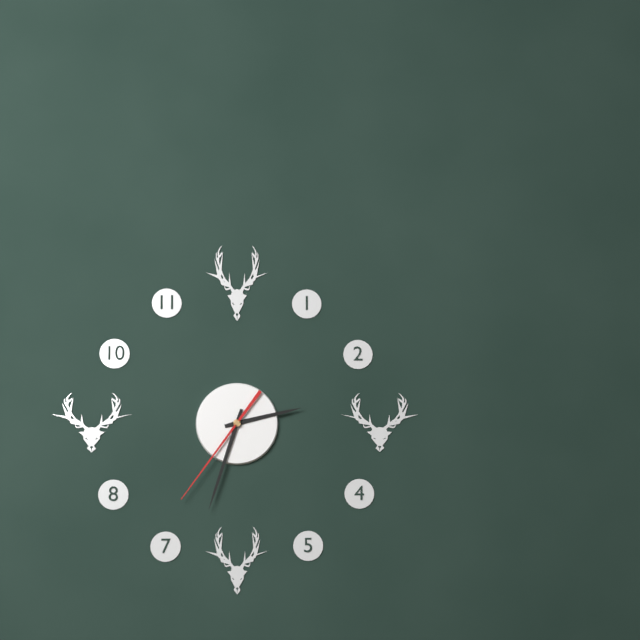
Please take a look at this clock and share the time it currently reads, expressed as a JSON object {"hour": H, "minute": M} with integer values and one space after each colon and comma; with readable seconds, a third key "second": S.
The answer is {"hour": 2, "minute": 33, "second": 36}
